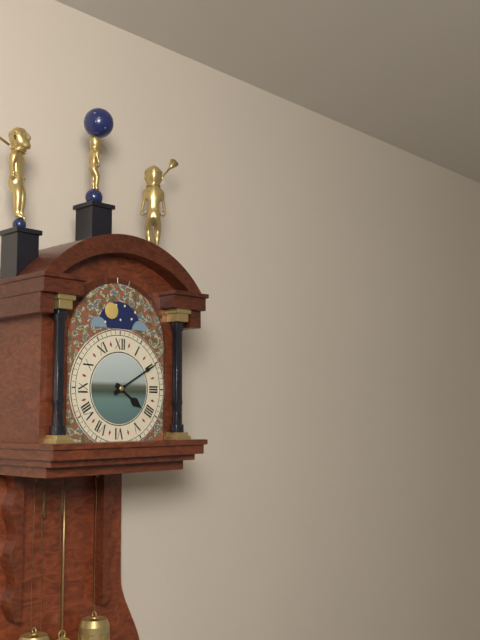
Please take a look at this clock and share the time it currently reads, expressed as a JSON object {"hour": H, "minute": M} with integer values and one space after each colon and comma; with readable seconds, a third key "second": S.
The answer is {"hour": 4, "minute": 10}
